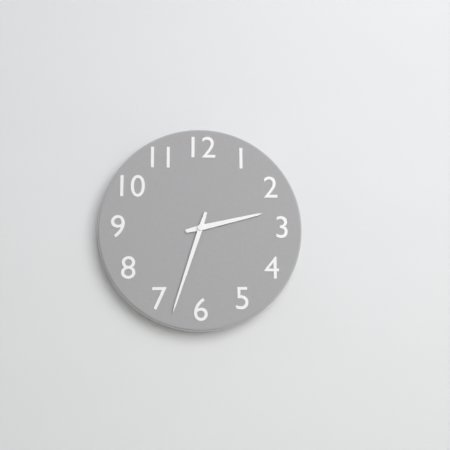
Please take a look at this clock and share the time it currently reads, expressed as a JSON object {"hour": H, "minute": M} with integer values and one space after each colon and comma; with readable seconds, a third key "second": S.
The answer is {"hour": 2, "minute": 33}
